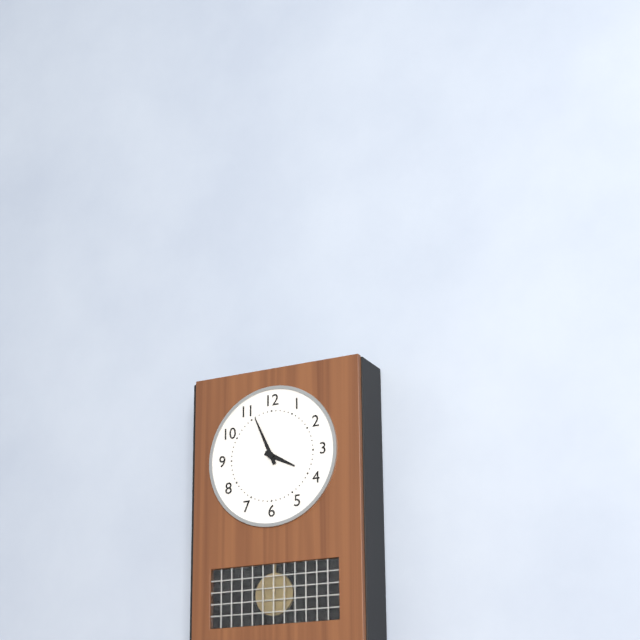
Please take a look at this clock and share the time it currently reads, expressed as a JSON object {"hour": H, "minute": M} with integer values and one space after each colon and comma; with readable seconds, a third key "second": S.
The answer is {"hour": 3, "minute": 56}
